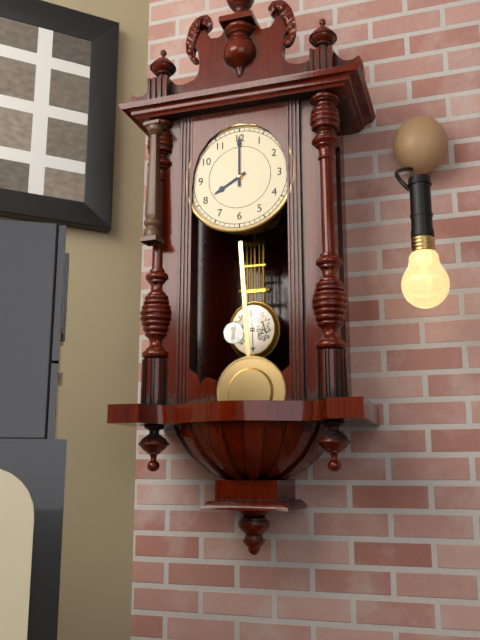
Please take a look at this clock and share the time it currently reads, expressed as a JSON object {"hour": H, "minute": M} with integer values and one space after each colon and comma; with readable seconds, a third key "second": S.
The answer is {"hour": 8, "minute": 0}
